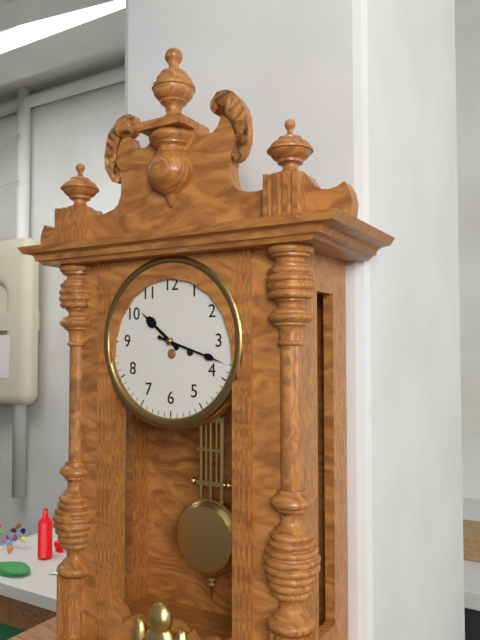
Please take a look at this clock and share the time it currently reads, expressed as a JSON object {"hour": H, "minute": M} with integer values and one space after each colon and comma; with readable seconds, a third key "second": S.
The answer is {"hour": 10, "minute": 18}
